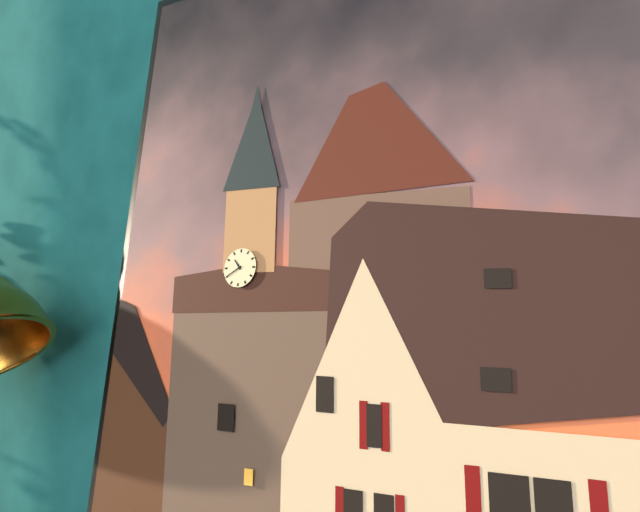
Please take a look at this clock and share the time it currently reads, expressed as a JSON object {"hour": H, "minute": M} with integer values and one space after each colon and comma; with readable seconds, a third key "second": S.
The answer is {"hour": 10, "minute": 40}
